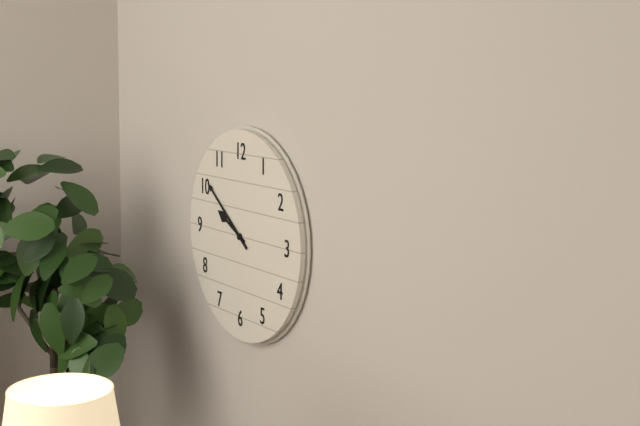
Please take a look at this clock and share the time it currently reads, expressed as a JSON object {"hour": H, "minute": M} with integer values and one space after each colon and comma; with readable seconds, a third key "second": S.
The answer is {"hour": 9, "minute": 51}
